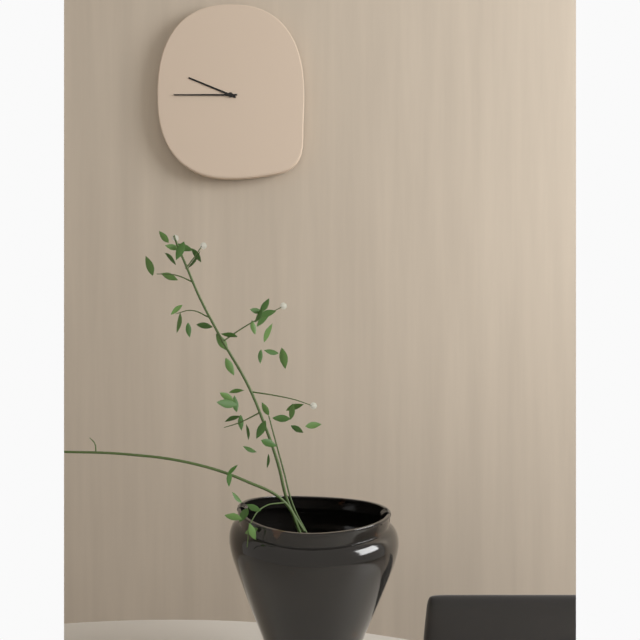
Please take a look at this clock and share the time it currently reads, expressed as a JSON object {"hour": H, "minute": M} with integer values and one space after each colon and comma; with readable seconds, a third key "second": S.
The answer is {"hour": 9, "minute": 45}
